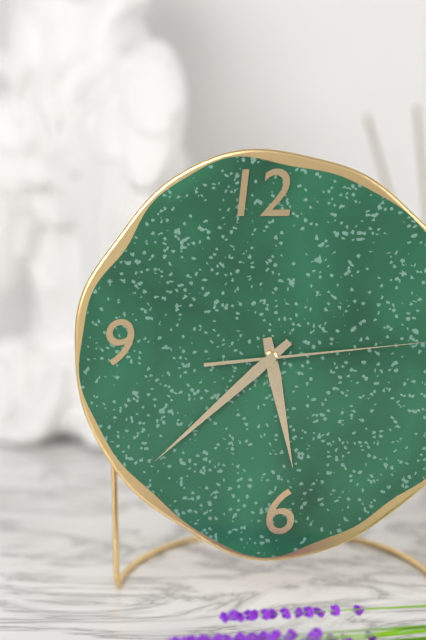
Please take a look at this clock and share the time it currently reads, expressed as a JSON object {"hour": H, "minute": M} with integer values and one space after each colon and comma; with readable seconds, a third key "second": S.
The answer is {"hour": 5, "minute": 38}
